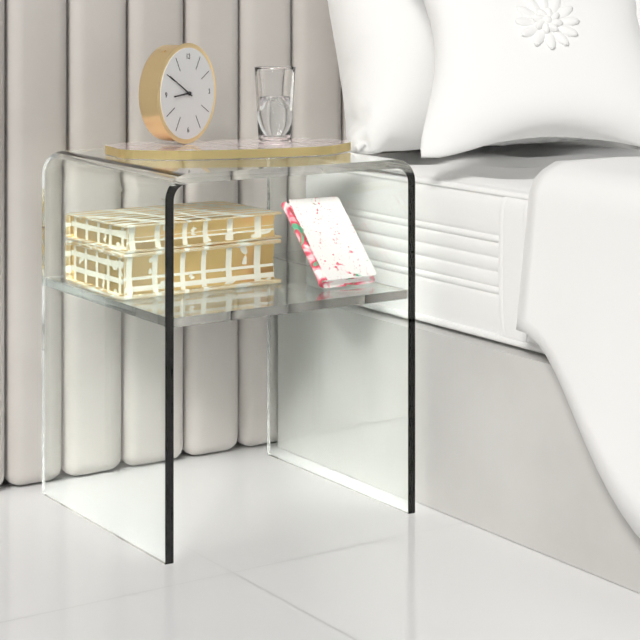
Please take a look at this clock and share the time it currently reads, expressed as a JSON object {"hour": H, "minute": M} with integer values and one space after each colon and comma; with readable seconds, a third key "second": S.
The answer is {"hour": 8, "minute": 50}
